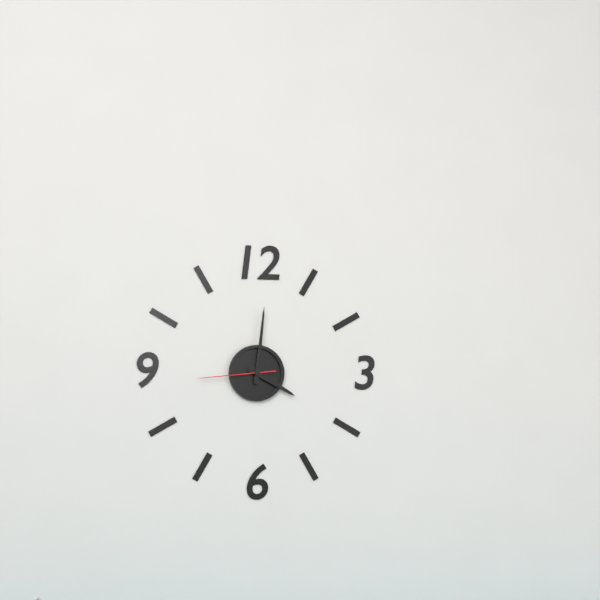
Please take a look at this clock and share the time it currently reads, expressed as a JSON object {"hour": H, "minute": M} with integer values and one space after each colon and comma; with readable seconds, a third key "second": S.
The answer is {"hour": 4, "minute": 1, "second": 44}
